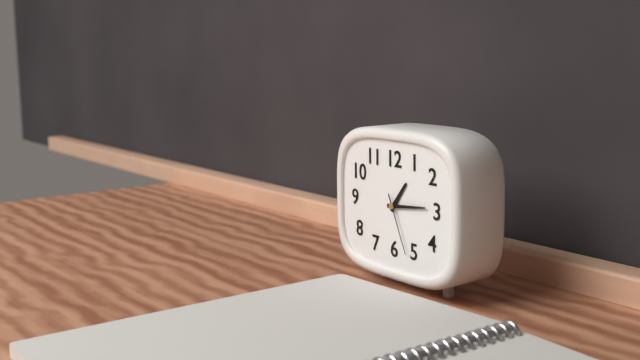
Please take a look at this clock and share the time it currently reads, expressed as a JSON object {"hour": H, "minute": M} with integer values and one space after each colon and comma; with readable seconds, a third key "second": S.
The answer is {"hour": 1, "minute": 14, "second": 26}
